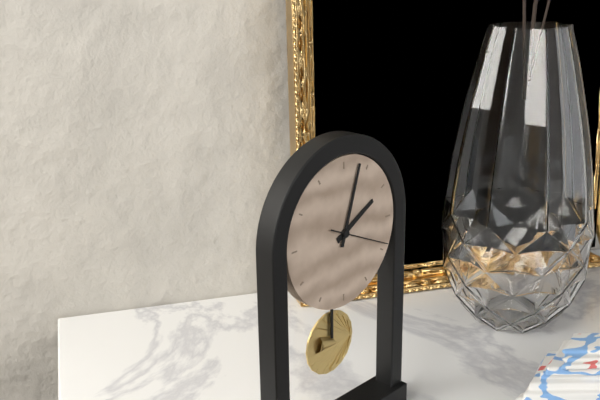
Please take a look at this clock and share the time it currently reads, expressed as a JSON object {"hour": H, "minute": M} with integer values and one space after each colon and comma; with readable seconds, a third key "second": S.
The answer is {"hour": 2, "minute": 3, "second": 19}
